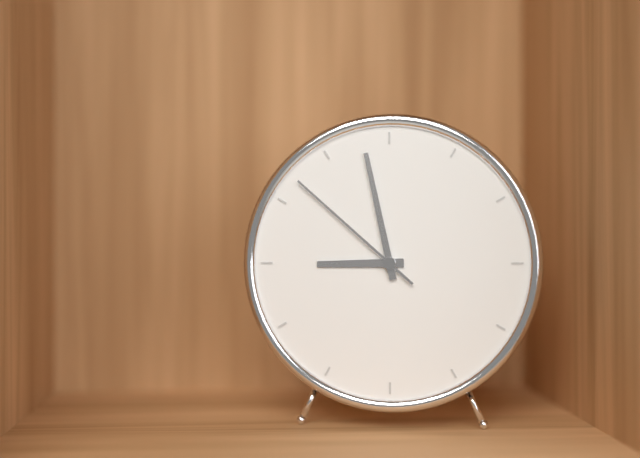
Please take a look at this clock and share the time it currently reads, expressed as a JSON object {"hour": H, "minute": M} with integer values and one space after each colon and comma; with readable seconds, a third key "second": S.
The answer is {"hour": 8, "minute": 58, "second": 52}
